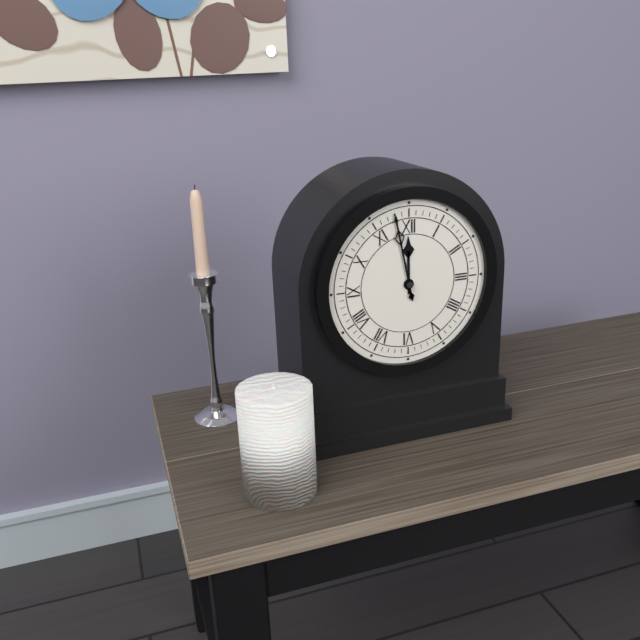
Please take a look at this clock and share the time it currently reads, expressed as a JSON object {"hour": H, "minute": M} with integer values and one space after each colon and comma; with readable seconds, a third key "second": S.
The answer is {"hour": 11, "minute": 58}
